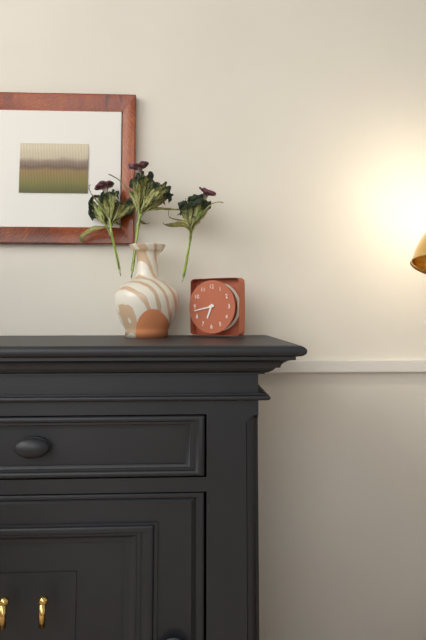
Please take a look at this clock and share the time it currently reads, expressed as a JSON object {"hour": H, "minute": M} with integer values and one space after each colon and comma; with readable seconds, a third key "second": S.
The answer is {"hour": 6, "minute": 43}
